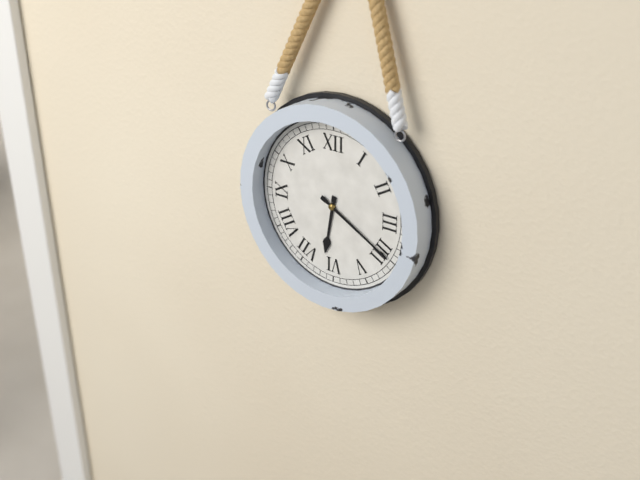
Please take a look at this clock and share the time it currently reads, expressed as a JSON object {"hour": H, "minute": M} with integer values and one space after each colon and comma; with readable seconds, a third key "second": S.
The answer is {"hour": 6, "minute": 20}
